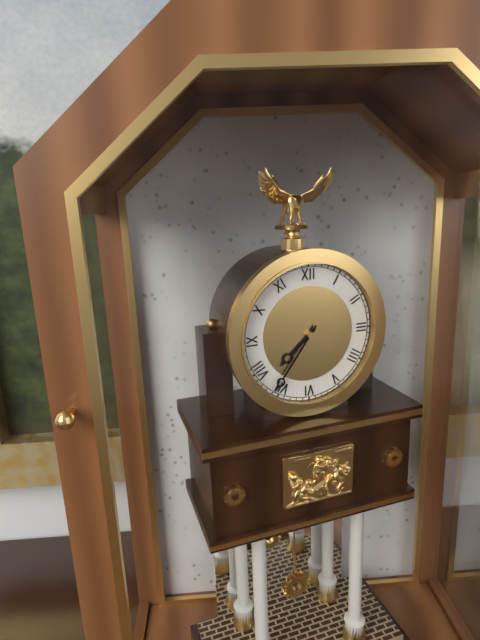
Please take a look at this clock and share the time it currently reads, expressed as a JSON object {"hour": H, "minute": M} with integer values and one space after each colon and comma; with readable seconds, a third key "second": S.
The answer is {"hour": 7, "minute": 36}
